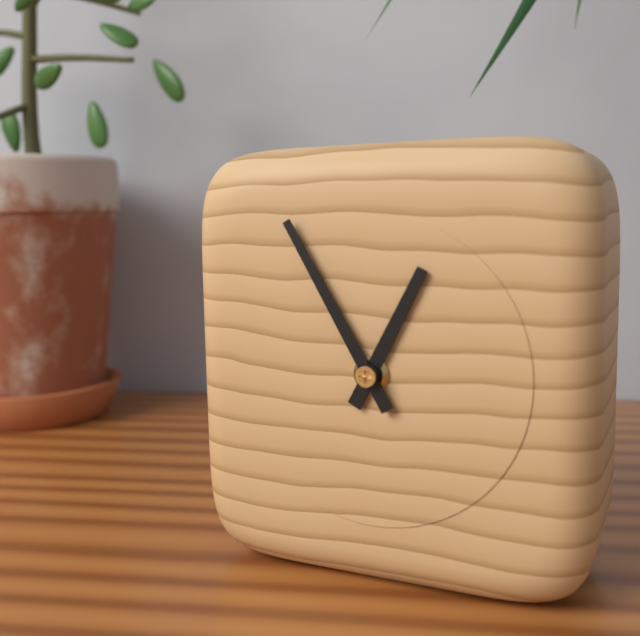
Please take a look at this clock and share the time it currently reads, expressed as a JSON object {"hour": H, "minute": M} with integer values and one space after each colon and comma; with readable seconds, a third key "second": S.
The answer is {"hour": 12, "minute": 55}
